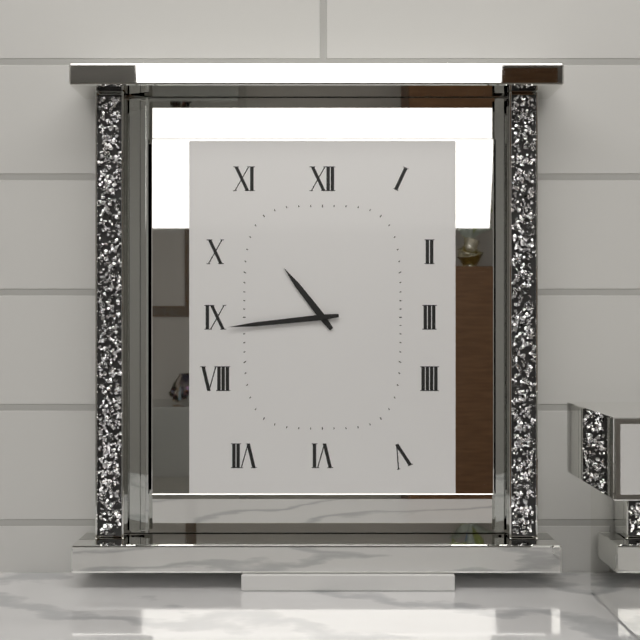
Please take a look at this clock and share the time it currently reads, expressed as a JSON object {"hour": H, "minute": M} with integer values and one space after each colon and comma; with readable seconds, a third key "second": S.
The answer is {"hour": 10, "minute": 44}
